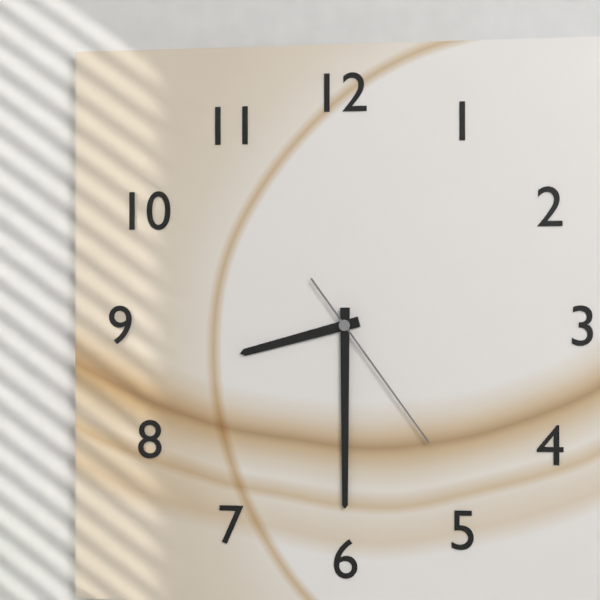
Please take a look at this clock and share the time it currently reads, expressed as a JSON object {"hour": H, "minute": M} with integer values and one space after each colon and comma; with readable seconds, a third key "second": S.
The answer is {"hour": 8, "minute": 30, "second": 24}
